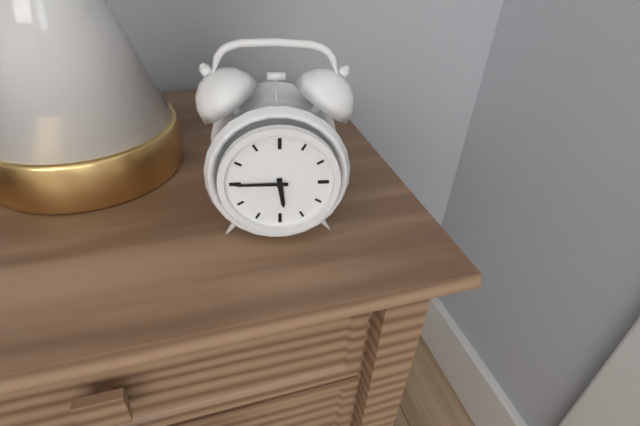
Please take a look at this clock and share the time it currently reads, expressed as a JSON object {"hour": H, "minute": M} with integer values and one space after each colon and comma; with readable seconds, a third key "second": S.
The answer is {"hour": 5, "minute": 45}
